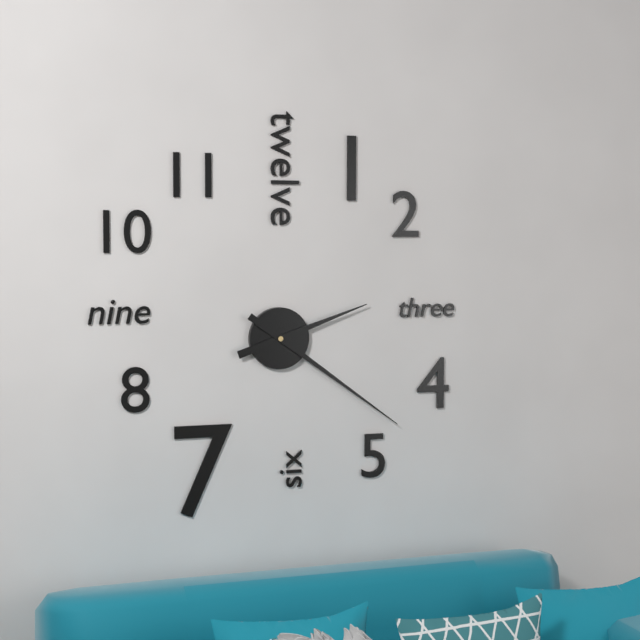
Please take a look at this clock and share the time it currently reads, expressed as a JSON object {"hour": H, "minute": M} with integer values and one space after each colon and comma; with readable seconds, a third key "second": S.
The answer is {"hour": 2, "minute": 21}
